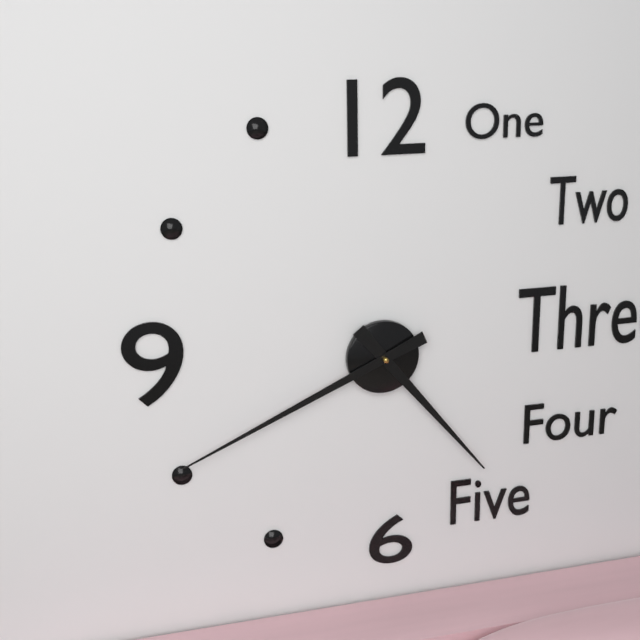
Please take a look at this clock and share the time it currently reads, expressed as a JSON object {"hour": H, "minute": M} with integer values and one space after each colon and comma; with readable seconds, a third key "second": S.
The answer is {"hour": 4, "minute": 41}
